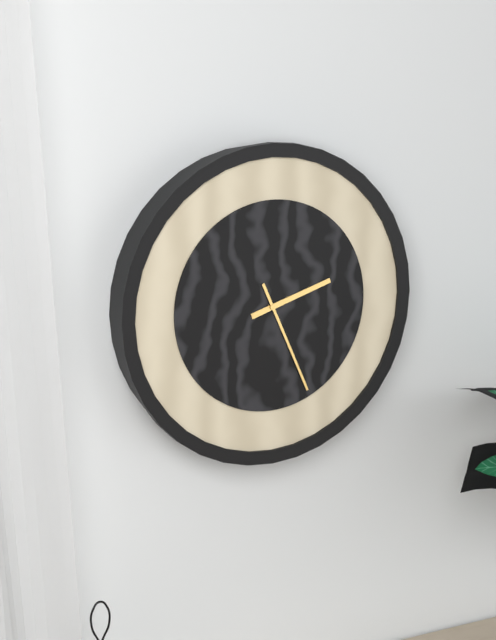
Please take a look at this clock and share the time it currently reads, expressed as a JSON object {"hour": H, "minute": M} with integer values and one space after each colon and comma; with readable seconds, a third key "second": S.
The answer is {"hour": 2, "minute": 26}
